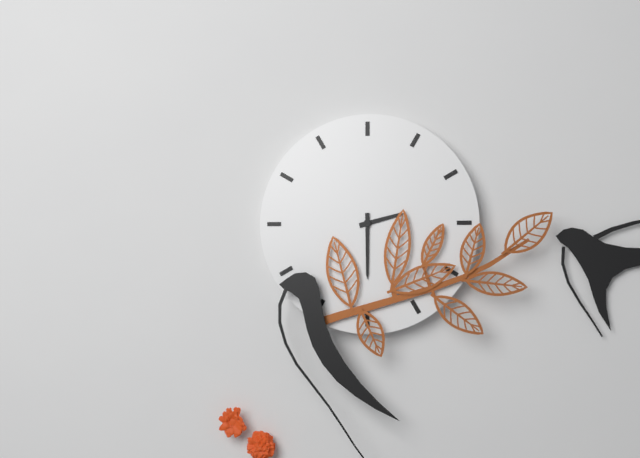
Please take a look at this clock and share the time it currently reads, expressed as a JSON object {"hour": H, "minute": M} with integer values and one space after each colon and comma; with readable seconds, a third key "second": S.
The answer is {"hour": 2, "minute": 30}
